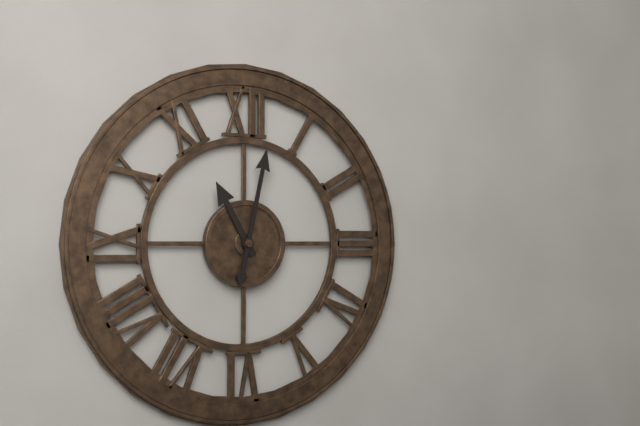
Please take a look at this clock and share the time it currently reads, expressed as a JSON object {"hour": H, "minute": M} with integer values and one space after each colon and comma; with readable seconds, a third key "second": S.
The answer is {"hour": 11, "minute": 2}
